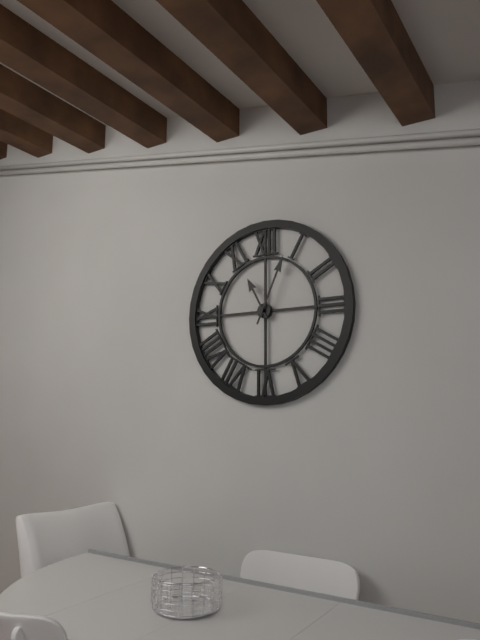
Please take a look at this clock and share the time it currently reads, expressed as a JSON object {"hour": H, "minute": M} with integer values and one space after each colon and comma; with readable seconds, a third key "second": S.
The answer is {"hour": 11, "minute": 4}
